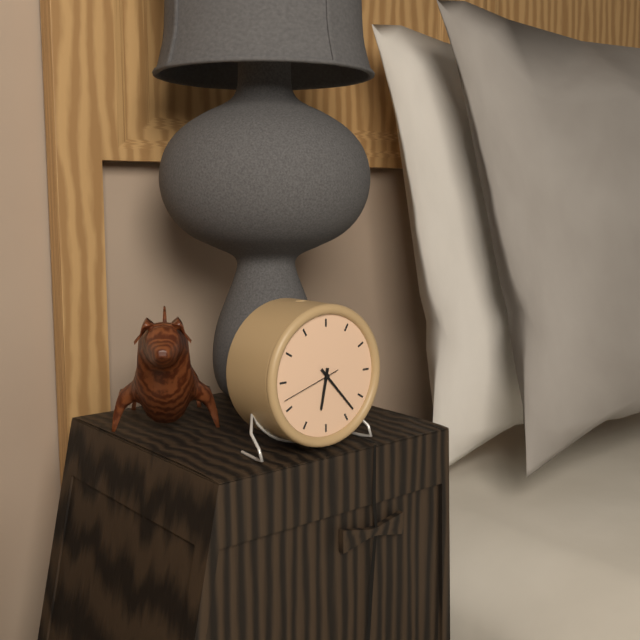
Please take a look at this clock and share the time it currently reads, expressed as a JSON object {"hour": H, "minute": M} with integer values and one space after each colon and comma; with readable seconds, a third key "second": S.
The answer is {"hour": 6, "minute": 23, "second": 42}
